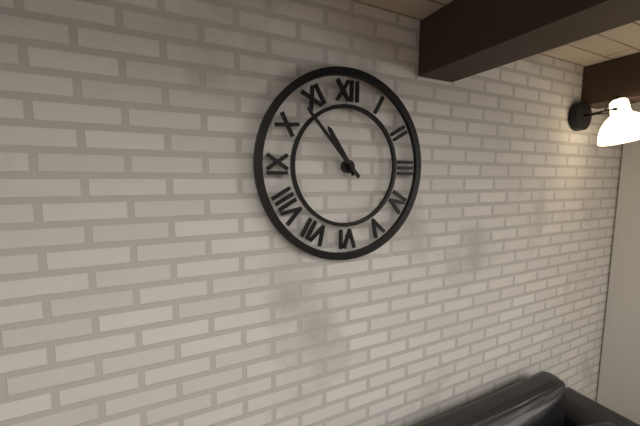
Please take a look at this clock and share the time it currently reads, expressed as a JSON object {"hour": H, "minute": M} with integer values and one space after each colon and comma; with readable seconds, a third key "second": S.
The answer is {"hour": 10, "minute": 53}
